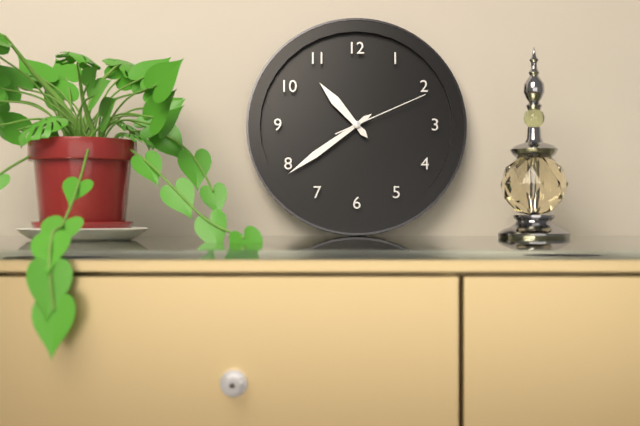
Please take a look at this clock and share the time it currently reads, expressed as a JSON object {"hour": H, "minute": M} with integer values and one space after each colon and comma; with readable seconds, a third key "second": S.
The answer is {"hour": 10, "minute": 39, "second": 11}
